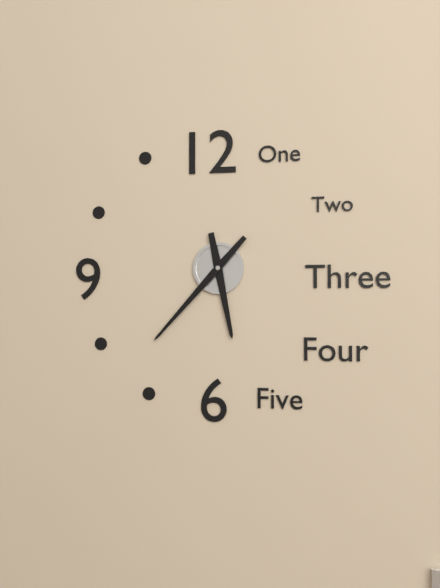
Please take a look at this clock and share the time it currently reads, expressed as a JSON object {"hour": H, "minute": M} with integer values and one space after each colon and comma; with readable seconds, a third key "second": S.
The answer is {"hour": 5, "minute": 37}
